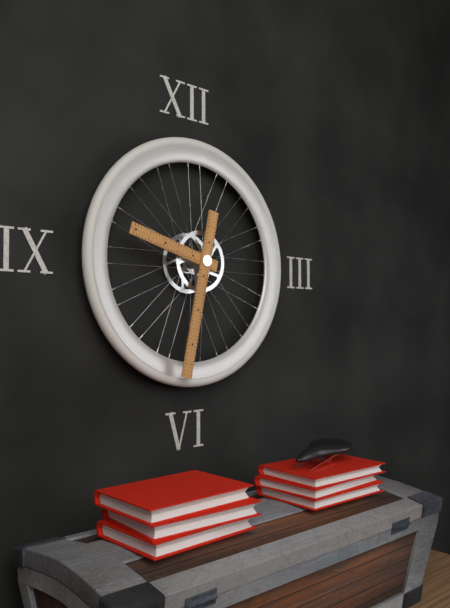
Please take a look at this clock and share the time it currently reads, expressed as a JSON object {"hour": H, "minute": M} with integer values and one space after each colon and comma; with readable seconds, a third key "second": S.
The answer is {"hour": 9, "minute": 32}
